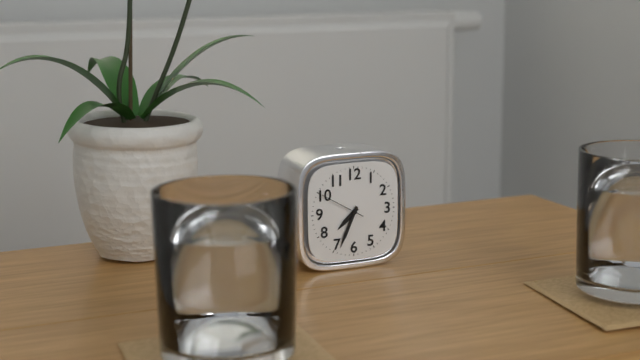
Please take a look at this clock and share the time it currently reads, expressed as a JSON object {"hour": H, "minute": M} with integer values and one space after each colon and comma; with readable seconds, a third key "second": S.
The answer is {"hour": 7, "minute": 34}
